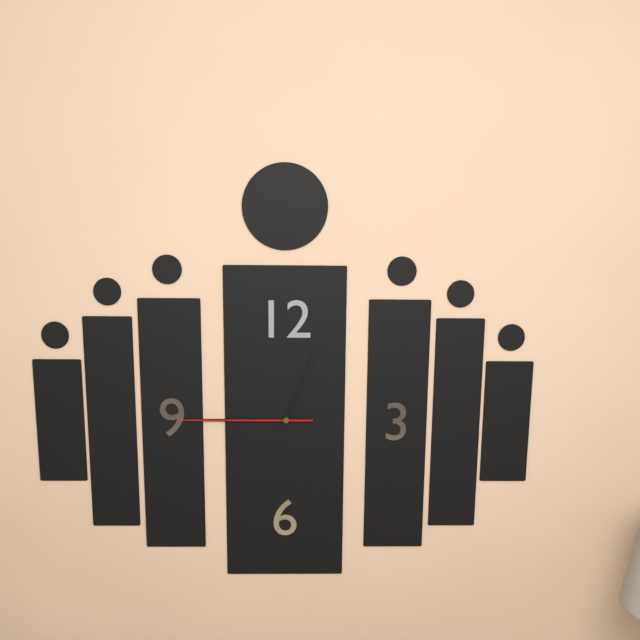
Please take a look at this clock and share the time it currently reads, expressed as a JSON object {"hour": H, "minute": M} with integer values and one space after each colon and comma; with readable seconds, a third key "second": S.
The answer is {"hour": 12, "minute": 45, "second": 45}
